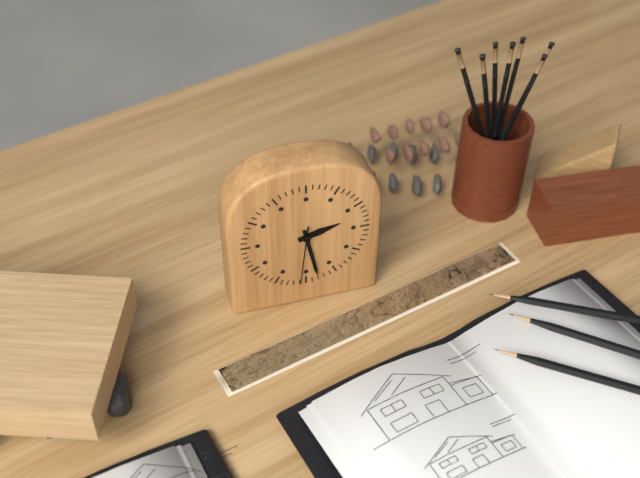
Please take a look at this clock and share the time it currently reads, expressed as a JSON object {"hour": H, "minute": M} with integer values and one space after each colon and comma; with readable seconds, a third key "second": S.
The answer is {"hour": 2, "minute": 28, "second": 31}
